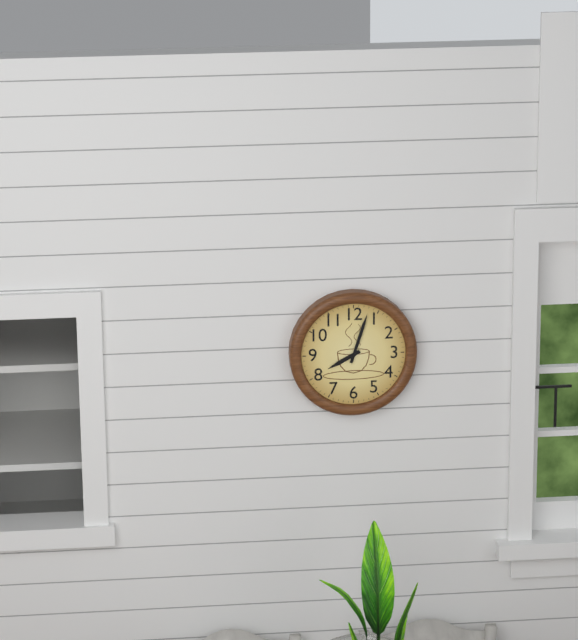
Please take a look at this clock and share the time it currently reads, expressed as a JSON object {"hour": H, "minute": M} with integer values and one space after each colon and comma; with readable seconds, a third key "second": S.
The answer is {"hour": 8, "minute": 3}
